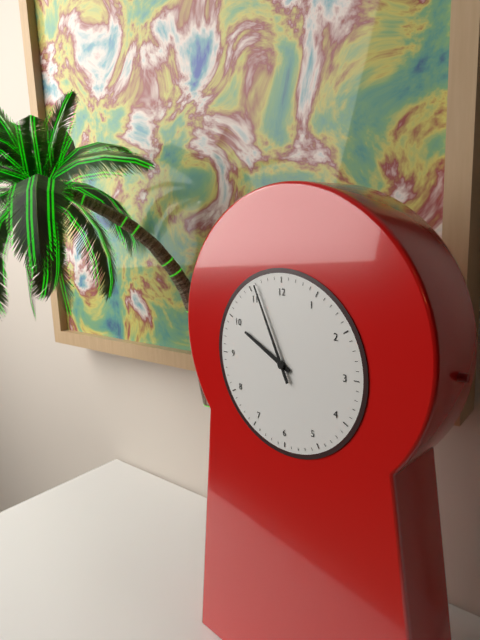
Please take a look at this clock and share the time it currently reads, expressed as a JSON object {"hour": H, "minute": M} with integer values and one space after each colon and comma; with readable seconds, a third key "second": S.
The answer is {"hour": 9, "minute": 56}
